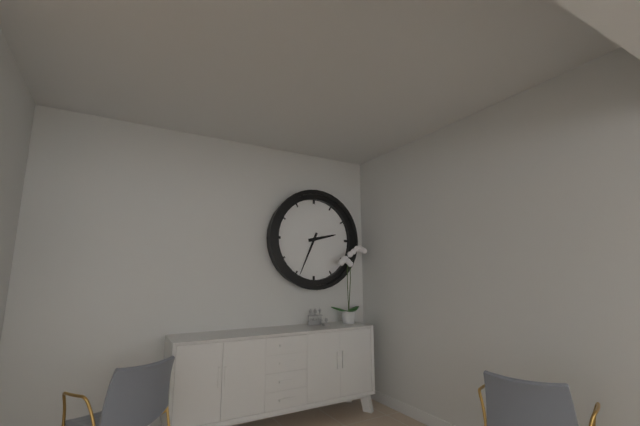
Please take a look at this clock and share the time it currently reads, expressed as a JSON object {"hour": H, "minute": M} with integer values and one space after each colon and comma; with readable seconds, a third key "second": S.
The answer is {"hour": 2, "minute": 34}
